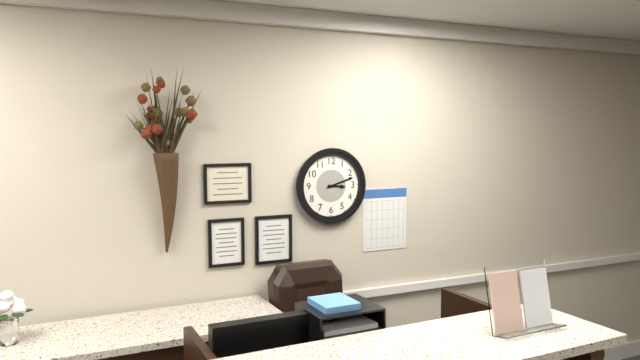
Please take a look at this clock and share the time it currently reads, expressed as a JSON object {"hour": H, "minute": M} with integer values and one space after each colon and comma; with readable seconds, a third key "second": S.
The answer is {"hour": 3, "minute": 12}
